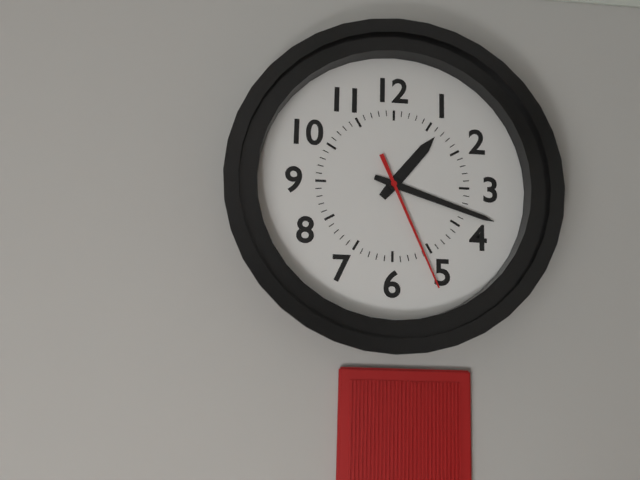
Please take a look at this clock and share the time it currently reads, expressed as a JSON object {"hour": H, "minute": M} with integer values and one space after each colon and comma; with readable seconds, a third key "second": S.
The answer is {"hour": 1, "minute": 18, "second": 26}
